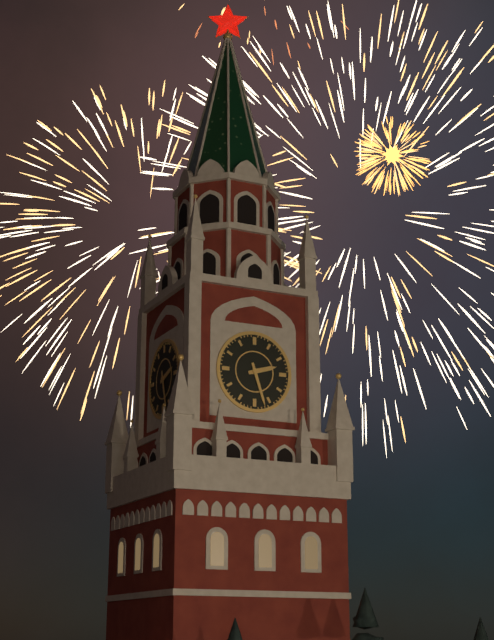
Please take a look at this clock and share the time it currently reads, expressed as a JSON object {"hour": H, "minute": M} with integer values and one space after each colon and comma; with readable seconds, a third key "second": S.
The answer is {"hour": 2, "minute": 27}
